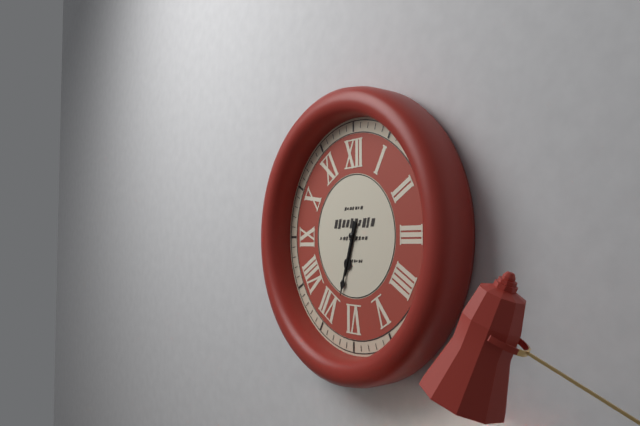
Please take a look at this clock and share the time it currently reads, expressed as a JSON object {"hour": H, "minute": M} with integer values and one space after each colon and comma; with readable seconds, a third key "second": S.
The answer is {"hour": 6, "minute": 33}
